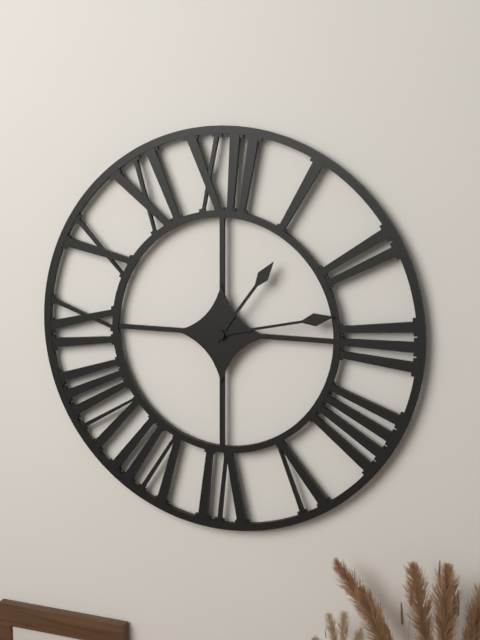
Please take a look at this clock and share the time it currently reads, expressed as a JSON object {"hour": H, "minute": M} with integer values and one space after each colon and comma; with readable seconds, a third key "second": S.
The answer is {"hour": 1, "minute": 13}
